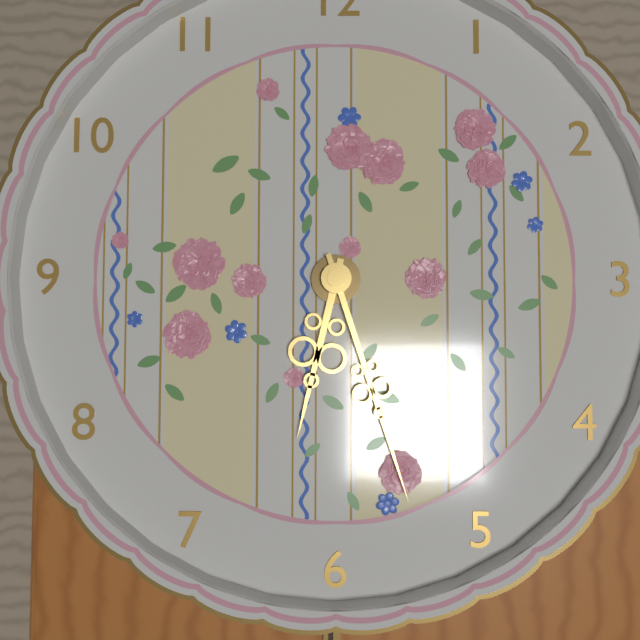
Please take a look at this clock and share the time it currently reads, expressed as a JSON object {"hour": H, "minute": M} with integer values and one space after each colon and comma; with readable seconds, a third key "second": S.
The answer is {"hour": 6, "minute": 27}
